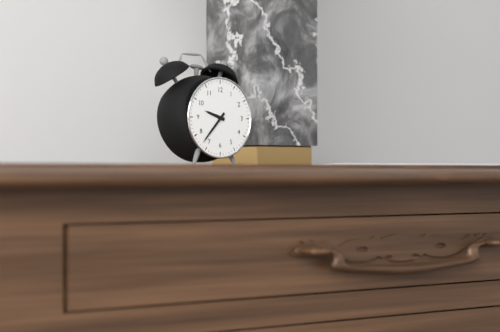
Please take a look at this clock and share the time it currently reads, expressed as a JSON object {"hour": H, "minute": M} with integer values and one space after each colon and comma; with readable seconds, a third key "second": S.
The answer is {"hour": 9, "minute": 37}
